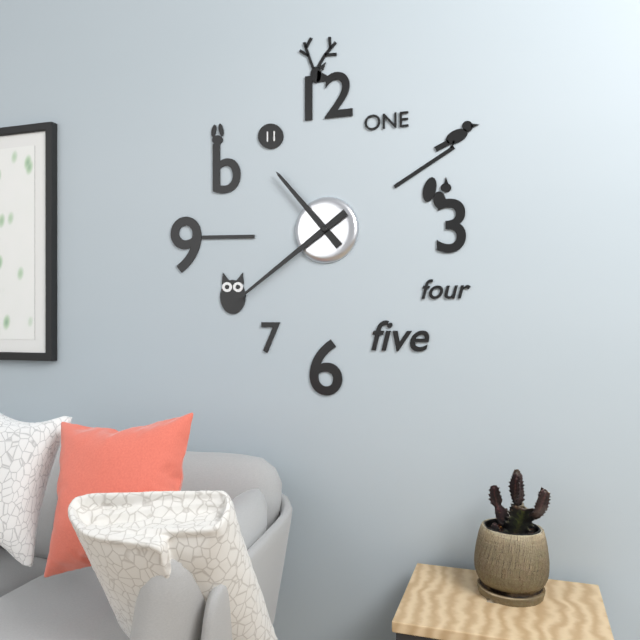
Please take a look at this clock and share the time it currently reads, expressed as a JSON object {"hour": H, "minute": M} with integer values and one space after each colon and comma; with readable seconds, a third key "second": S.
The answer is {"hour": 10, "minute": 39}
